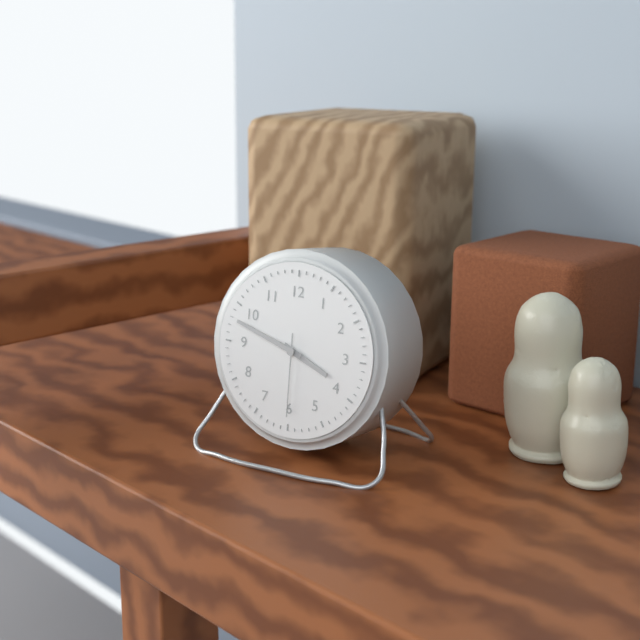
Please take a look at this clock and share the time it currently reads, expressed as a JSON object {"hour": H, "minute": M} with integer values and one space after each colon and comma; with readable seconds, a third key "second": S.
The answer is {"hour": 3, "minute": 48, "second": 30}
